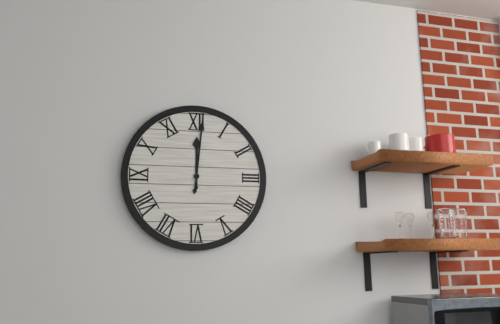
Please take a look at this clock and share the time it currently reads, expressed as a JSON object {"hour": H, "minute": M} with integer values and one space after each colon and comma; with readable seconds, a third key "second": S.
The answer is {"hour": 12, "minute": 1}
